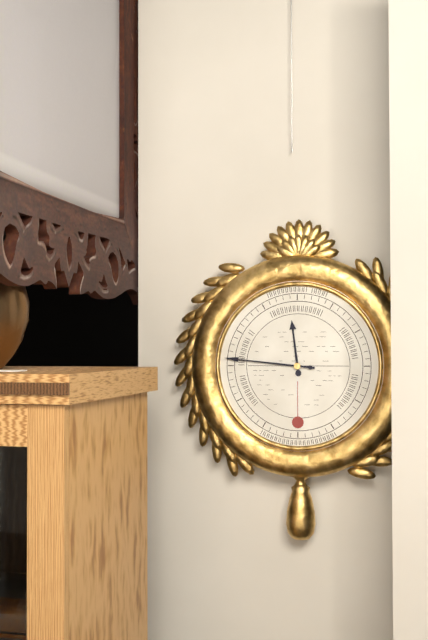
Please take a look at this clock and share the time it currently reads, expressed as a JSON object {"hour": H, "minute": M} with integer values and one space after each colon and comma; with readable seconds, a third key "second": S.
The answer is {"hour": 11, "minute": 46}
